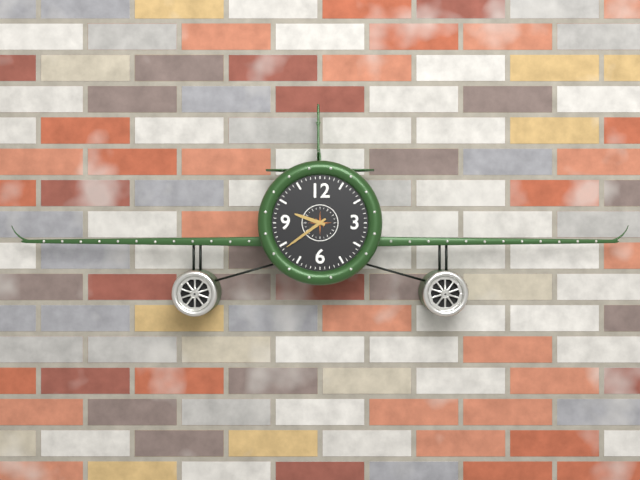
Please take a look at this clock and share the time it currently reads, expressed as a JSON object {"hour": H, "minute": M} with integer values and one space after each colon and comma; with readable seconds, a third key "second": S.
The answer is {"hour": 9, "minute": 39}
